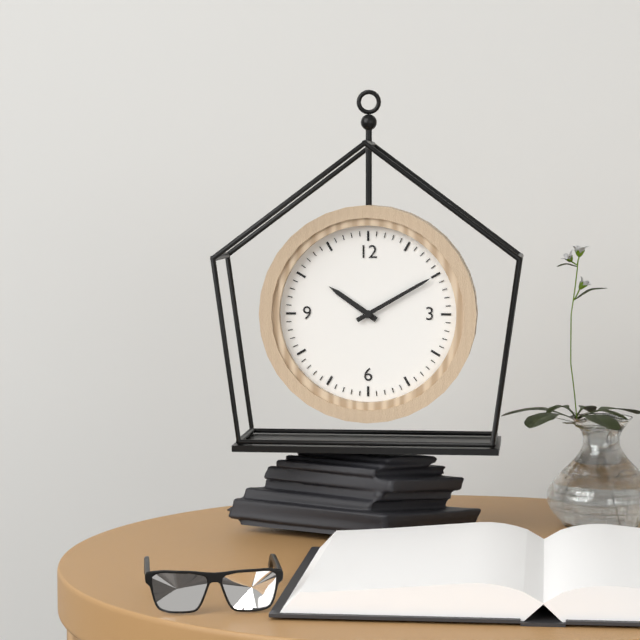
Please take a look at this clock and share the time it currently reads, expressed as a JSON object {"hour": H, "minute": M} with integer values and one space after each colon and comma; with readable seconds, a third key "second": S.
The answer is {"hour": 10, "minute": 10}
